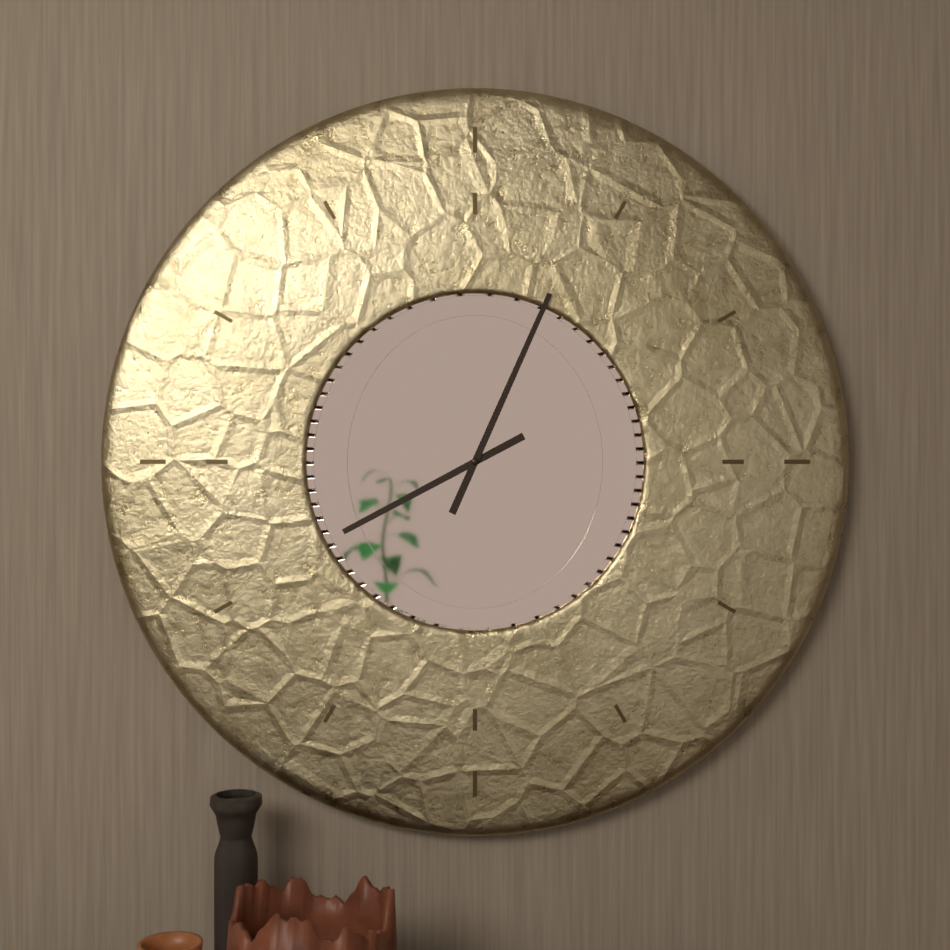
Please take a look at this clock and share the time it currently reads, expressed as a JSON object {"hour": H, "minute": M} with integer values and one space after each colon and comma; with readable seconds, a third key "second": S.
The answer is {"hour": 8, "minute": 4}
